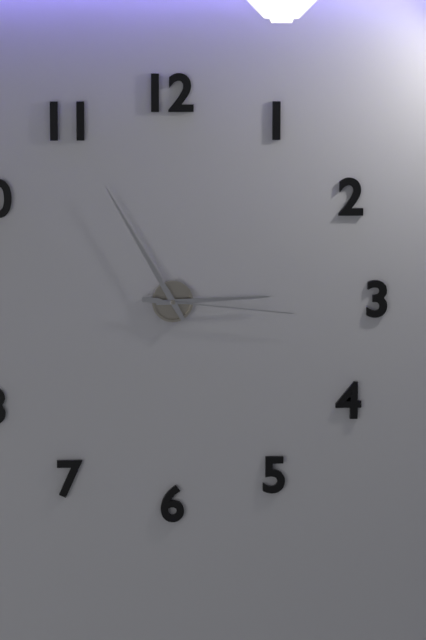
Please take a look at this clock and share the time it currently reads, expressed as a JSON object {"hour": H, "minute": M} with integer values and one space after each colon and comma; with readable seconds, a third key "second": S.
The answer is {"hour": 2, "minute": 55, "second": 16}
